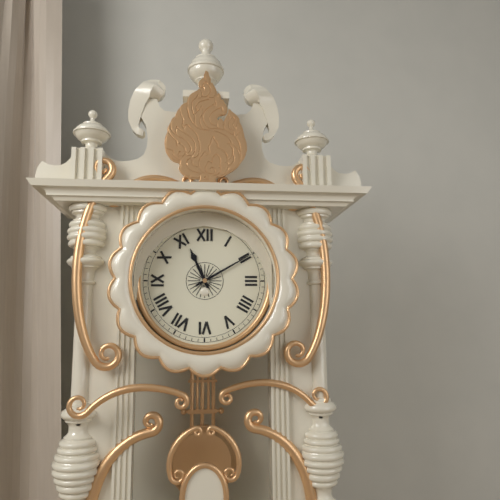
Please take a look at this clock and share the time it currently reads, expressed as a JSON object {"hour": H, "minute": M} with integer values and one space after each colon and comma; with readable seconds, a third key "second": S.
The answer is {"hour": 11, "minute": 10}
